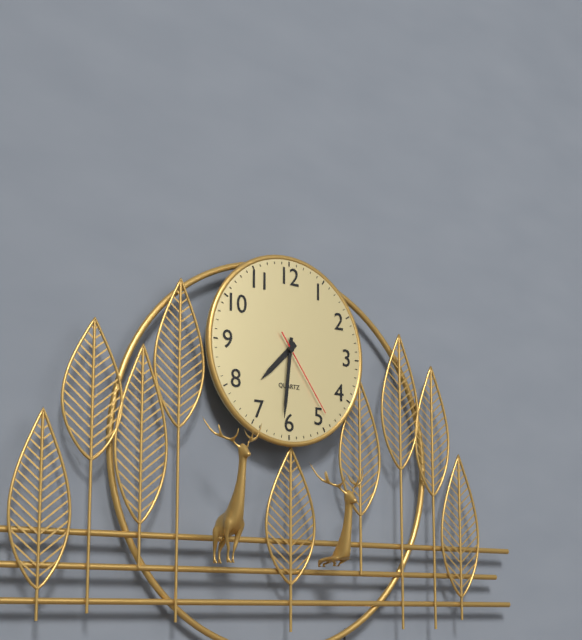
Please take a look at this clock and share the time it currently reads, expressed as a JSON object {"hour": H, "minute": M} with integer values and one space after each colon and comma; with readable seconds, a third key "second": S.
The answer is {"hour": 7, "minute": 31, "second": 24}
